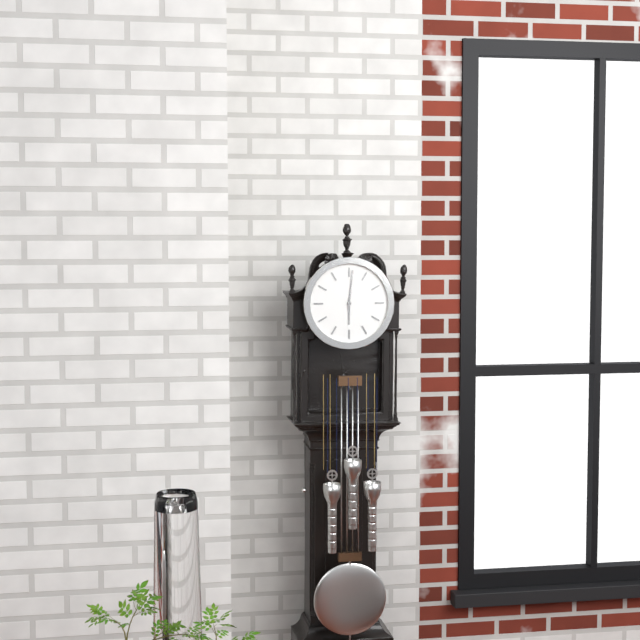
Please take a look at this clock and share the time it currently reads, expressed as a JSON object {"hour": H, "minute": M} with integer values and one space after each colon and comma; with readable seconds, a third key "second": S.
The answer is {"hour": 6, "minute": 1}
